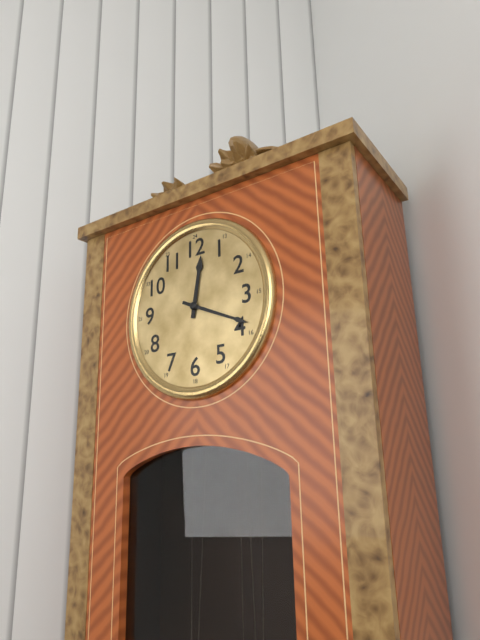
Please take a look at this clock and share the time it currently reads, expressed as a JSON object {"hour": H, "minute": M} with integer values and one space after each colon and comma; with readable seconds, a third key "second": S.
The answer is {"hour": 12, "minute": 19}
